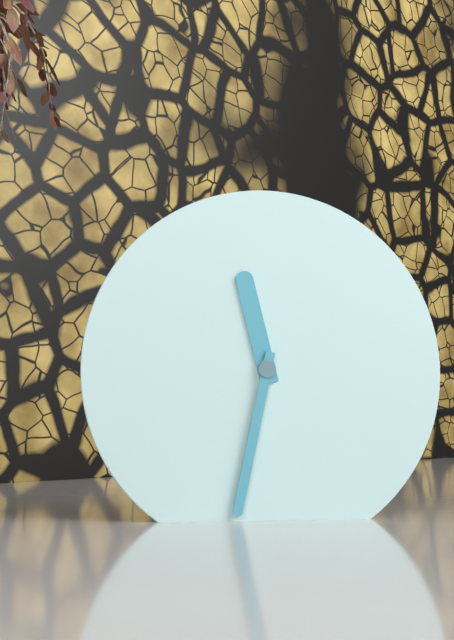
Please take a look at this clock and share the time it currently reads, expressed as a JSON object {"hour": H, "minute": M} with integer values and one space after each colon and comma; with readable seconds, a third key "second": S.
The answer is {"hour": 11, "minute": 32}
